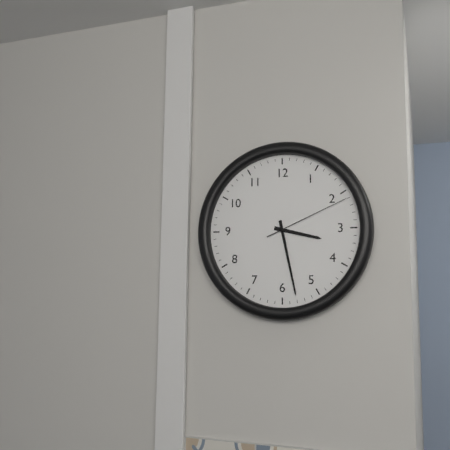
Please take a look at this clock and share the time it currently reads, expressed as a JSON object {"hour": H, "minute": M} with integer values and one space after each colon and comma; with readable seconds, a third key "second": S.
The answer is {"hour": 3, "minute": 28, "second": 11}
